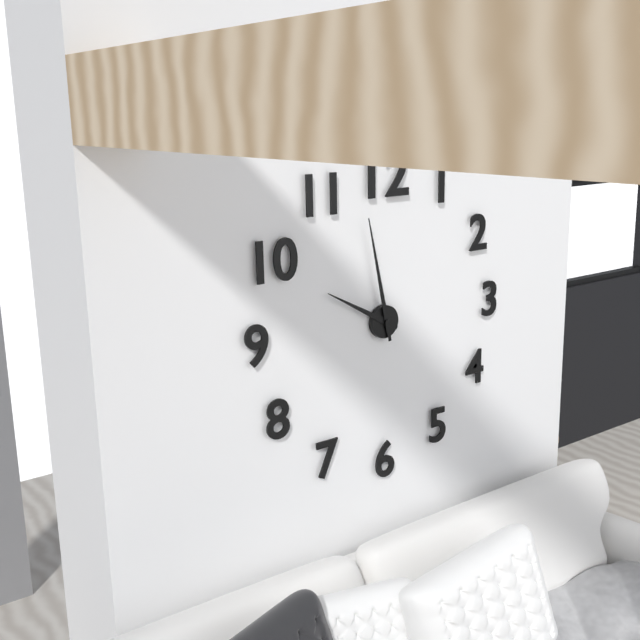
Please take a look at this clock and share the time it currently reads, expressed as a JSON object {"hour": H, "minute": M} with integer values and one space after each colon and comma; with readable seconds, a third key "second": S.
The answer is {"hour": 9, "minute": 58}
